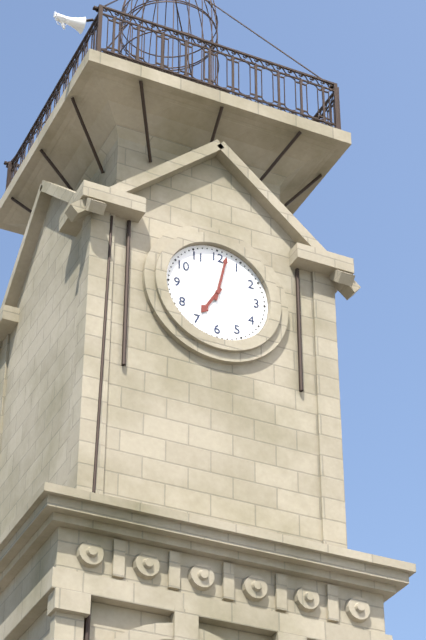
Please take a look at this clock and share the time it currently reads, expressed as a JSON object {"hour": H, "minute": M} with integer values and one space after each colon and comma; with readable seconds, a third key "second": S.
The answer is {"hour": 7, "minute": 2}
